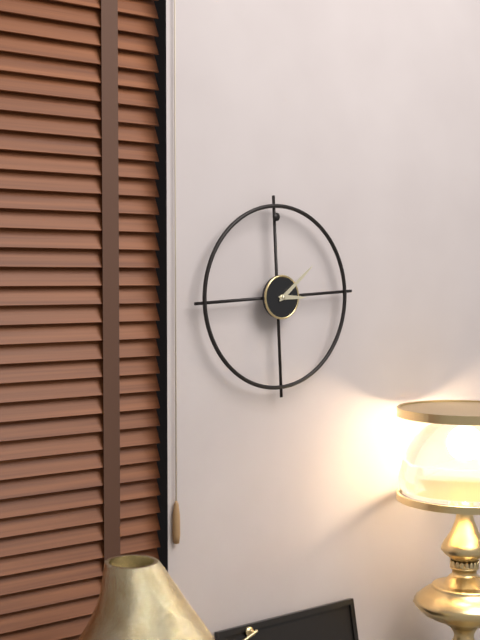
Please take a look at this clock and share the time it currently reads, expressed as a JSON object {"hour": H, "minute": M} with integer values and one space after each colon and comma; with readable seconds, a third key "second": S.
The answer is {"hour": 3, "minute": 9}
